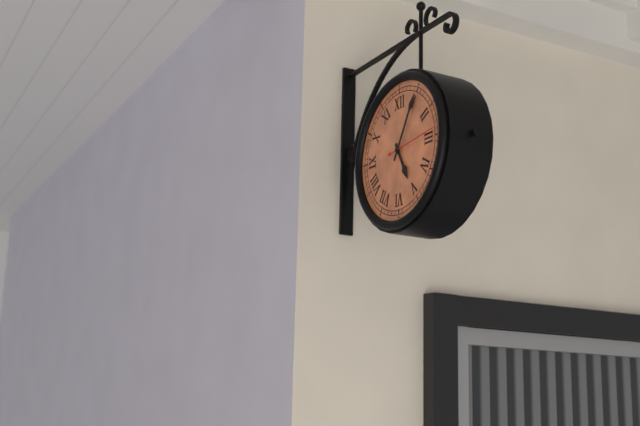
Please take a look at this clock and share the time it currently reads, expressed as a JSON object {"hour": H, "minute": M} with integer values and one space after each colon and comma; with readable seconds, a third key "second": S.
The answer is {"hour": 5, "minute": 5, "second": 14}
